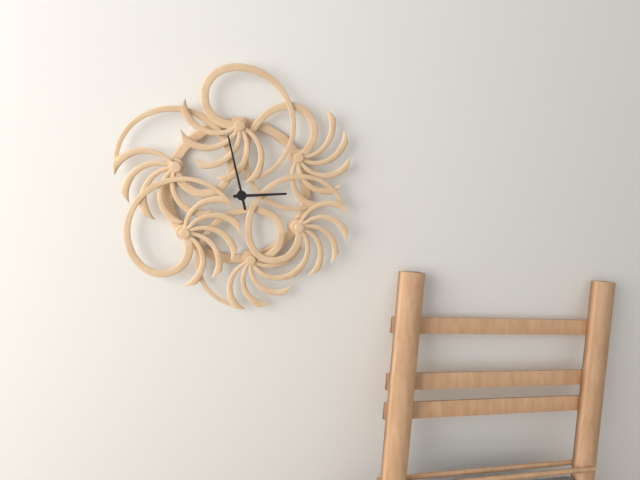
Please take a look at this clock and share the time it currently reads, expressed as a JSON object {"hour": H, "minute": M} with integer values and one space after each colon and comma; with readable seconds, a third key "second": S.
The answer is {"hour": 2, "minute": 58}
